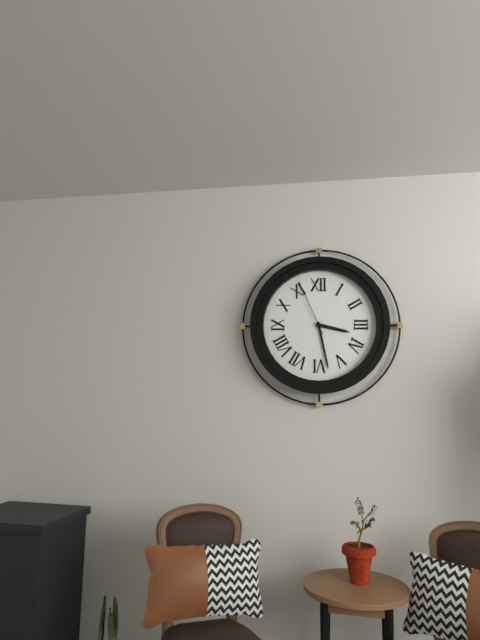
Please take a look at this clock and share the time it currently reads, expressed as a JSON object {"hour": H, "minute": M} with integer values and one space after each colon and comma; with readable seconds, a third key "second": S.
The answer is {"hour": 3, "minute": 28, "second": 56}
